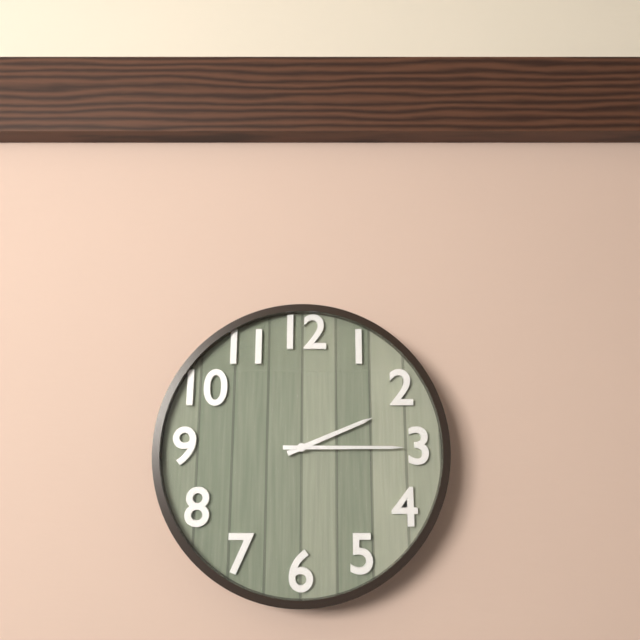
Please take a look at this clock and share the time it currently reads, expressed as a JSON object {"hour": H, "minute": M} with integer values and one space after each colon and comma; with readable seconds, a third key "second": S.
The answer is {"hour": 2, "minute": 15}
